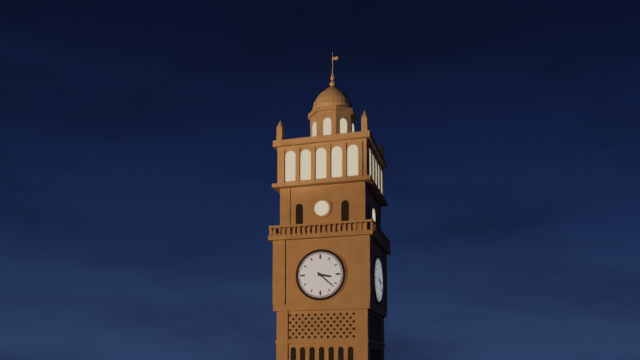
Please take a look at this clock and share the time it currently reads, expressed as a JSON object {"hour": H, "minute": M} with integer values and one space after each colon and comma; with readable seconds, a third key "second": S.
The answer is {"hour": 3, "minute": 22}
